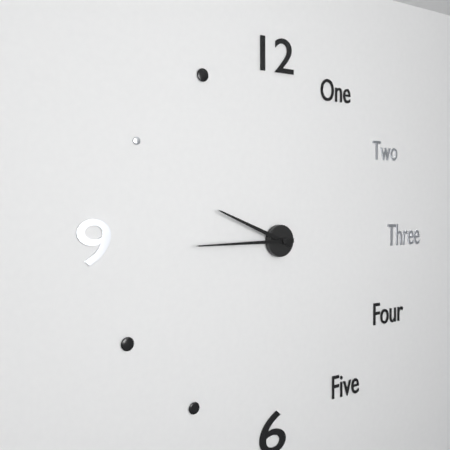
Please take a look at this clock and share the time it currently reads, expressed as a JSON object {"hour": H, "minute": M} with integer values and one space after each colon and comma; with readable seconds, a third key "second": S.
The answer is {"hour": 9, "minute": 45}
